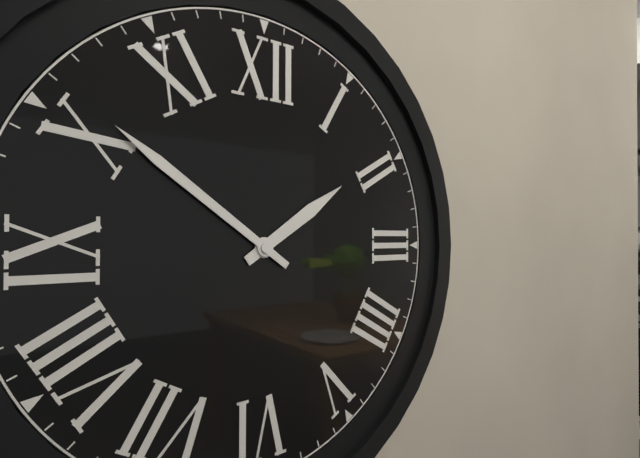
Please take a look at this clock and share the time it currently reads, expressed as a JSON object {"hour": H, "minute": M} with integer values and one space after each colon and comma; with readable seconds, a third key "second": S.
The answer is {"hour": 1, "minute": 51}
